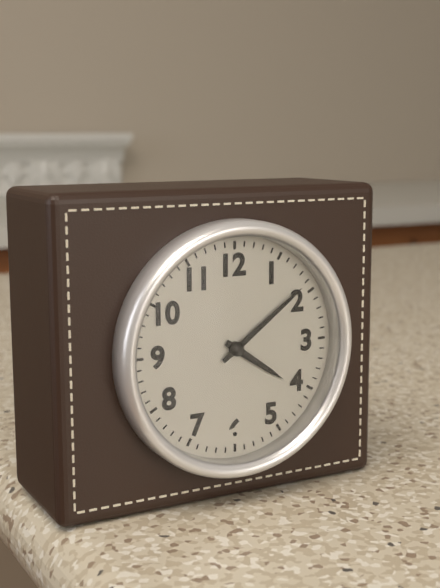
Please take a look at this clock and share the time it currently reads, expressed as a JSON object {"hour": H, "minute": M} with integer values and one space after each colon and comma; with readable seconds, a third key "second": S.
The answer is {"hour": 4, "minute": 9}
